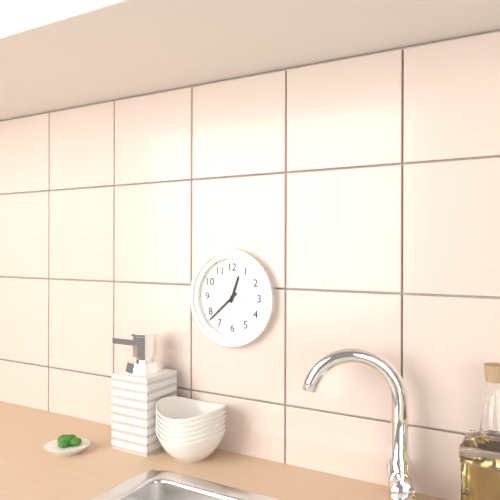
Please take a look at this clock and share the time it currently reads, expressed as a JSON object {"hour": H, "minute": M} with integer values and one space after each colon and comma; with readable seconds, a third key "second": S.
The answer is {"hour": 12, "minute": 38}
